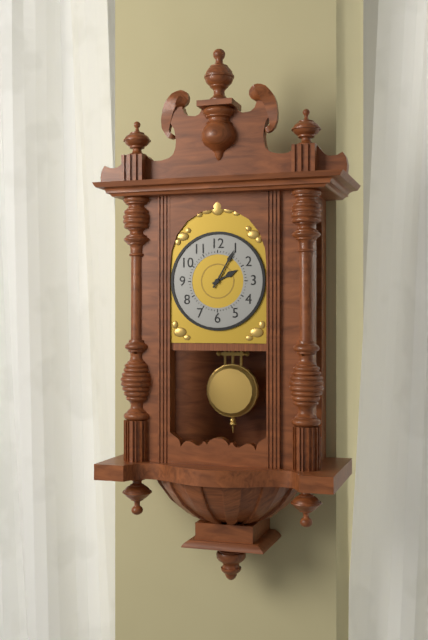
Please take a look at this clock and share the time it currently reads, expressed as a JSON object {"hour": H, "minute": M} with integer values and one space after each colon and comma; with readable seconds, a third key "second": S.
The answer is {"hour": 2, "minute": 5}
